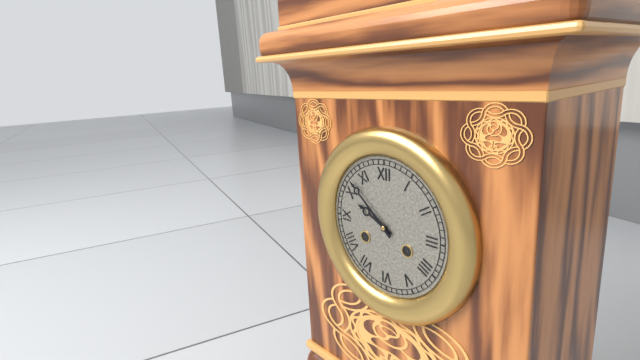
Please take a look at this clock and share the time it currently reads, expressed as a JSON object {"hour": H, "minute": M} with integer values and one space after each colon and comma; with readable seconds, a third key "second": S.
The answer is {"hour": 9, "minute": 52}
